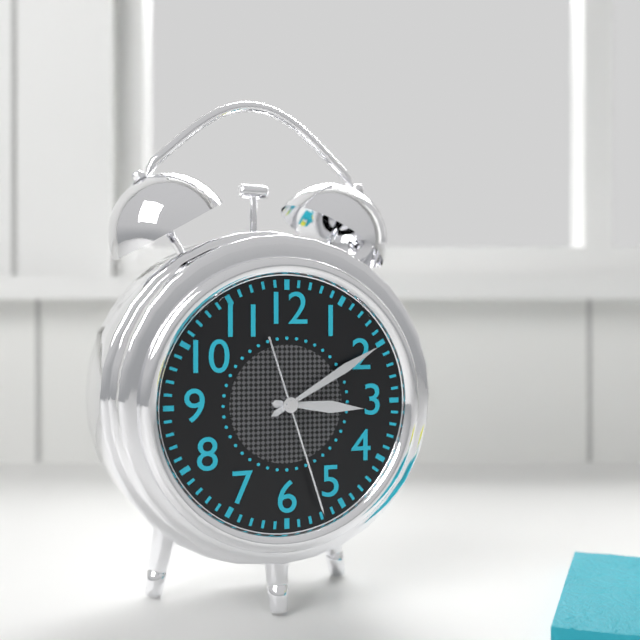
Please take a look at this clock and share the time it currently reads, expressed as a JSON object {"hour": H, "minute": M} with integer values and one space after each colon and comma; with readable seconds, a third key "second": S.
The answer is {"hour": 3, "minute": 10, "second": 27}
